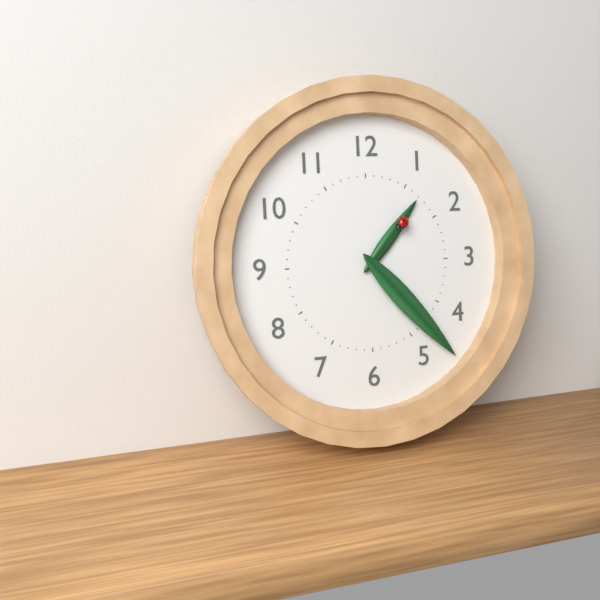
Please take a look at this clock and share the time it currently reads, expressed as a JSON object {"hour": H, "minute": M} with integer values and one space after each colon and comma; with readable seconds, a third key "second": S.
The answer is {"hour": 1, "minute": 23}
